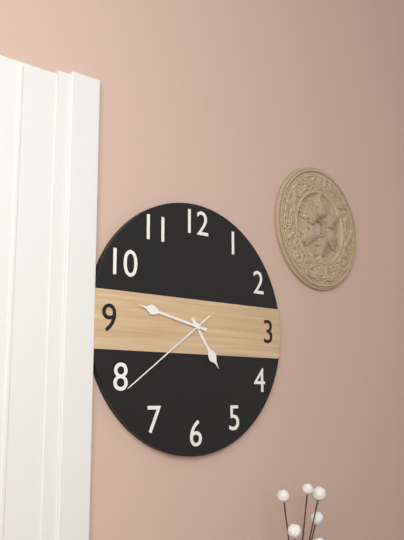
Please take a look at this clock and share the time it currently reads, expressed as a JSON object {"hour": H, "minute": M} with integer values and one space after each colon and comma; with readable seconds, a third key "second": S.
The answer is {"hour": 4, "minute": 47, "second": 39}
